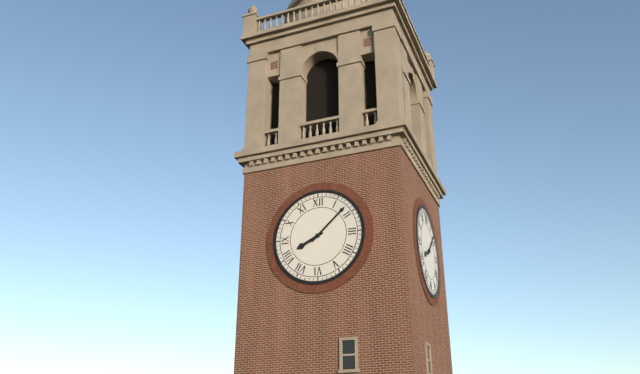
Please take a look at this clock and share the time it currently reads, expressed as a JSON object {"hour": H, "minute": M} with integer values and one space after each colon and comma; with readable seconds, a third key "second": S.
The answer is {"hour": 8, "minute": 8}
